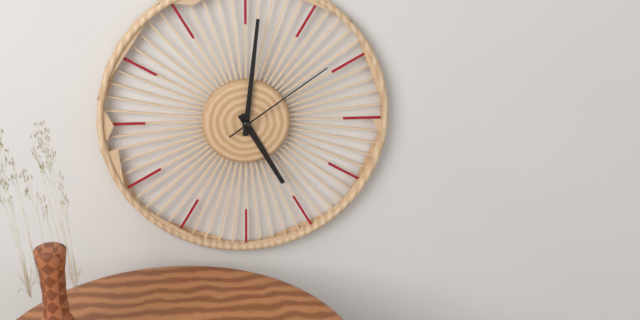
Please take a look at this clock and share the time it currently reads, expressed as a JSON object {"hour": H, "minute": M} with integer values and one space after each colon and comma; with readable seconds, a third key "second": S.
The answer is {"hour": 5, "minute": 1, "second": 9}
